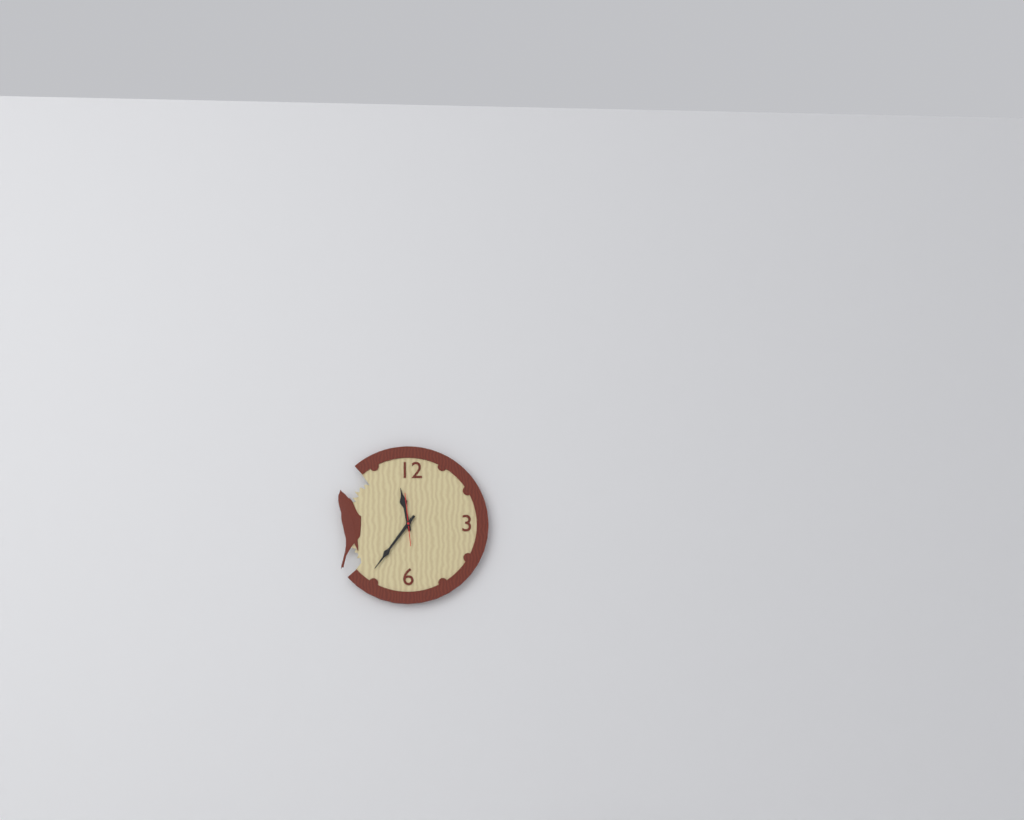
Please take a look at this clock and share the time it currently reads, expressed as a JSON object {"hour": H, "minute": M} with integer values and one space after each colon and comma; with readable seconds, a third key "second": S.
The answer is {"hour": 11, "minute": 36}
